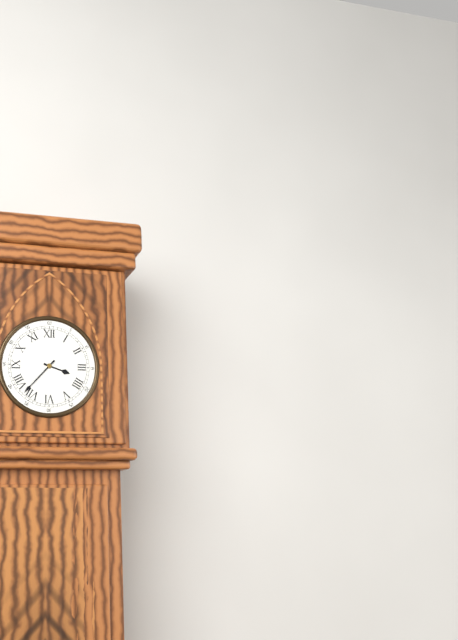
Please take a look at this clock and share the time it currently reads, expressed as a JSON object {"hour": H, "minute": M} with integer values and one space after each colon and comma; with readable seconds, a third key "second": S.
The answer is {"hour": 3, "minute": 37}
